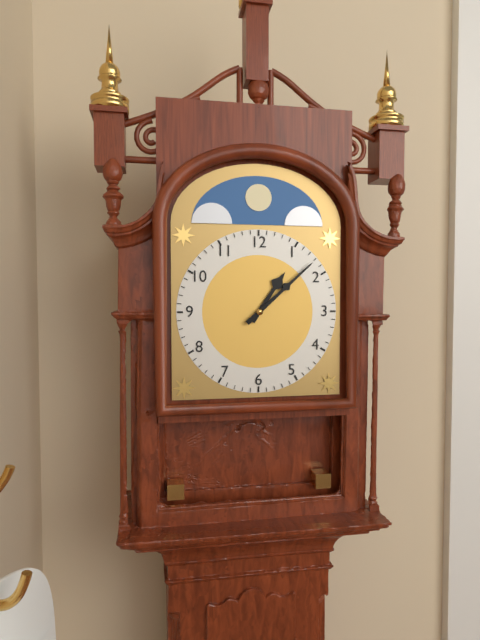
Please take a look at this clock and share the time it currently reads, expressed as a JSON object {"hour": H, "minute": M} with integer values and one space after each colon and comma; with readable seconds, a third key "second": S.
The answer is {"hour": 1, "minute": 8}
